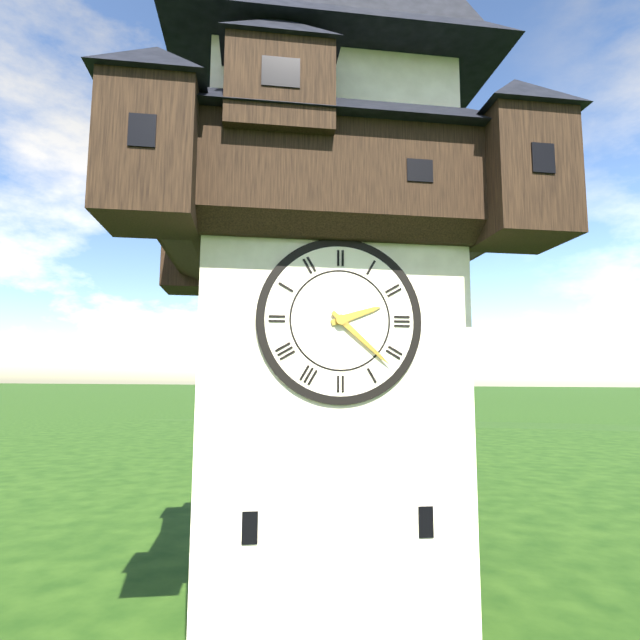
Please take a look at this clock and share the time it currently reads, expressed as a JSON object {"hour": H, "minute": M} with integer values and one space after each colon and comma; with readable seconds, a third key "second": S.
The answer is {"hour": 2, "minute": 22}
